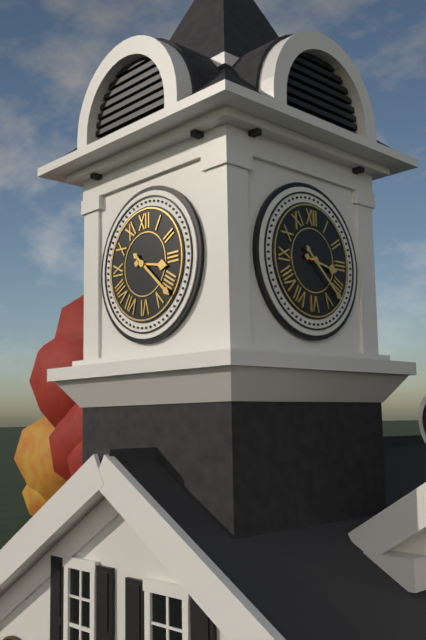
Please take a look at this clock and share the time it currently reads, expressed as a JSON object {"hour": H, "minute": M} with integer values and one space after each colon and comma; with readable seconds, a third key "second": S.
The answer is {"hour": 3, "minute": 22}
